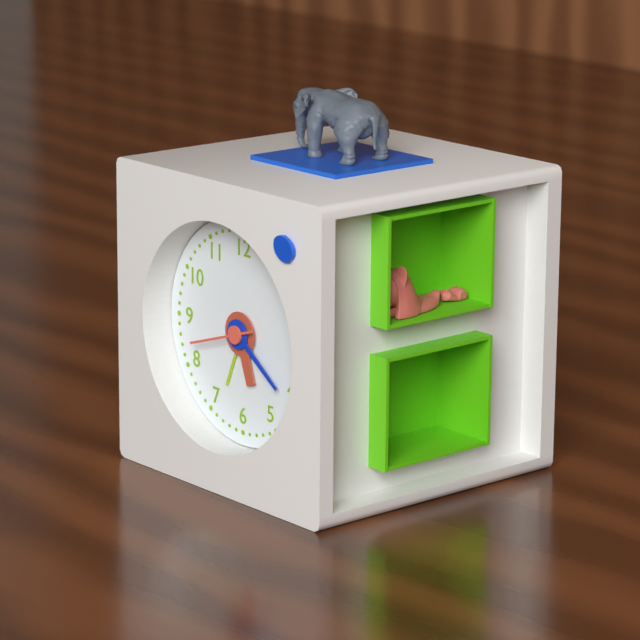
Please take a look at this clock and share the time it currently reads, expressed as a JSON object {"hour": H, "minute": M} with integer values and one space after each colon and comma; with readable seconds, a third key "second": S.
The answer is {"hour": 5, "minute": 21, "second": 42}
